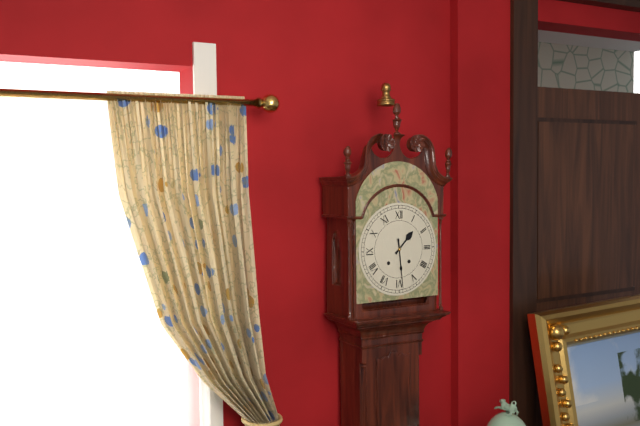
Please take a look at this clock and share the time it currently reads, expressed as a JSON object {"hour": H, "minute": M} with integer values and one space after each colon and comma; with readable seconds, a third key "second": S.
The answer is {"hour": 1, "minute": 29}
